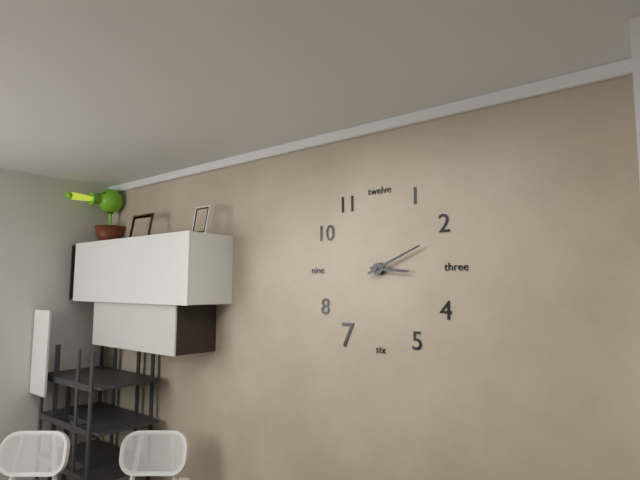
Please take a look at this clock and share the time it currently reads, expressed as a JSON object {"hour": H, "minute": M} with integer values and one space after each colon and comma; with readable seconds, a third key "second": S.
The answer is {"hour": 3, "minute": 11}
